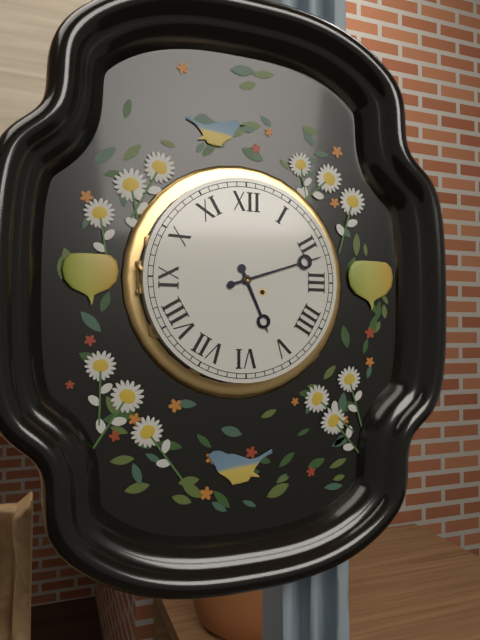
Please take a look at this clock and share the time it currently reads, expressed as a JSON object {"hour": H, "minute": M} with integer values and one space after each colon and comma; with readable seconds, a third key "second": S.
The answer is {"hour": 5, "minute": 12}
